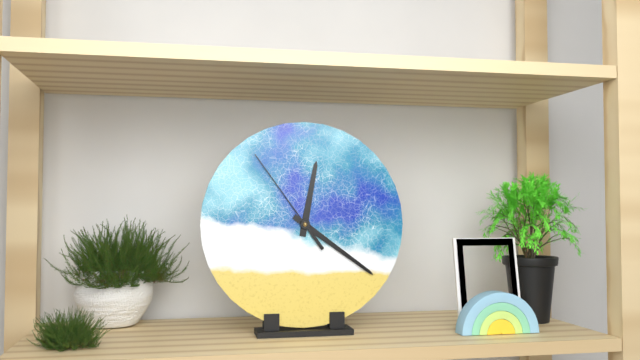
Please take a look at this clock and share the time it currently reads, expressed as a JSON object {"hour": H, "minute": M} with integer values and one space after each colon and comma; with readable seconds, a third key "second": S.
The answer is {"hour": 12, "minute": 21, "second": 54}
